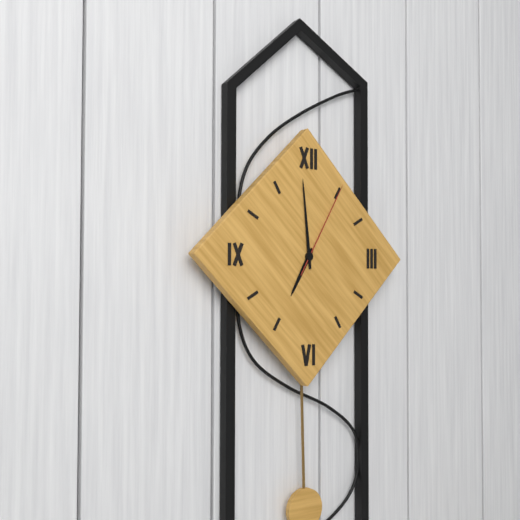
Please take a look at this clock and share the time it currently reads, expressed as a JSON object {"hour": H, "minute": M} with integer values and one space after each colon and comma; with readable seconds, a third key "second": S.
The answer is {"hour": 6, "minute": 59, "second": 5}
